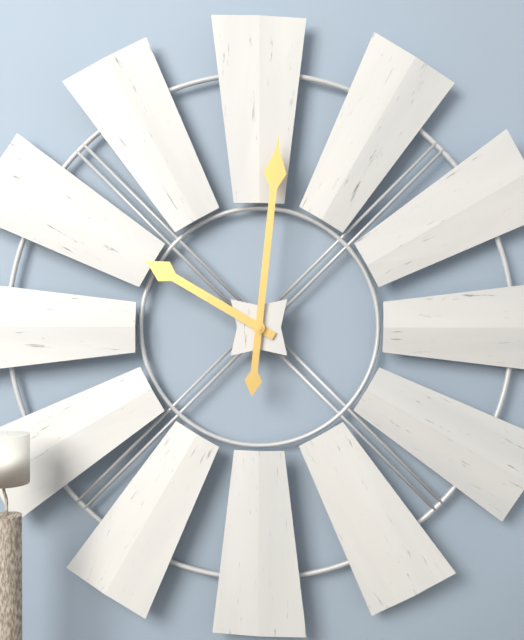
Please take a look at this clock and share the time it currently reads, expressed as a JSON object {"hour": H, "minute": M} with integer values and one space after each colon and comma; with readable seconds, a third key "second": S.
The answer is {"hour": 10, "minute": 1}
